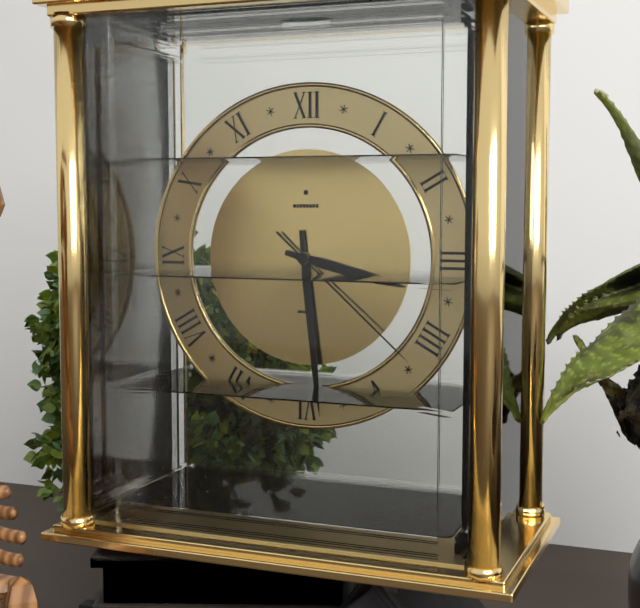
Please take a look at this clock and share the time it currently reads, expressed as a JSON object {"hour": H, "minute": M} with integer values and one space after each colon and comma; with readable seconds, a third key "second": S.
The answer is {"hour": 3, "minute": 29, "second": 22}
